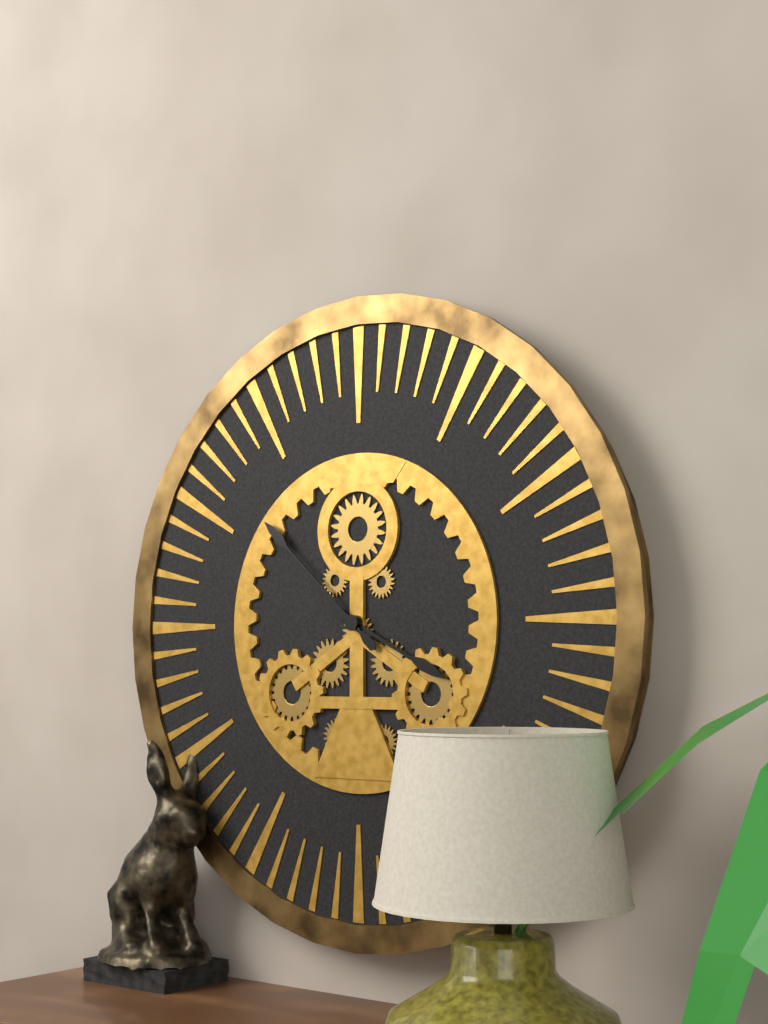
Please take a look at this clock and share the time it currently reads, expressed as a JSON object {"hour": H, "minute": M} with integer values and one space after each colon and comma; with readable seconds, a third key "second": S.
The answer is {"hour": 3, "minute": 52}
